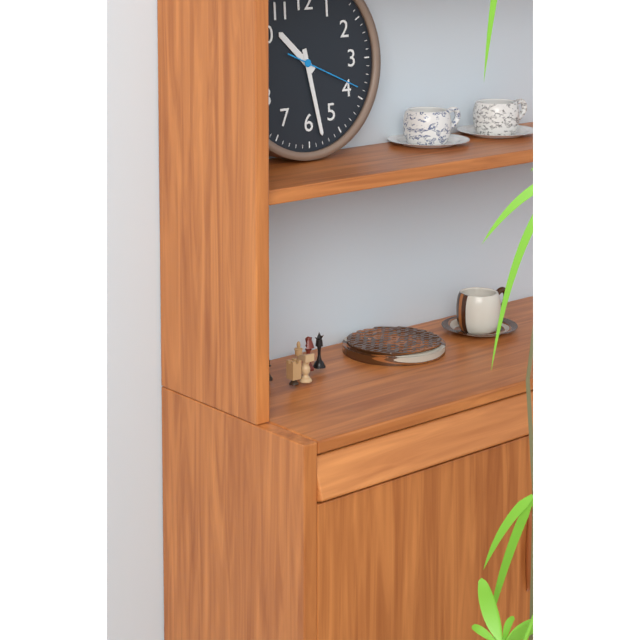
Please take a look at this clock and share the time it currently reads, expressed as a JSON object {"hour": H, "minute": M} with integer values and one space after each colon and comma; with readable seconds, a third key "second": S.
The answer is {"hour": 10, "minute": 28, "second": 19}
